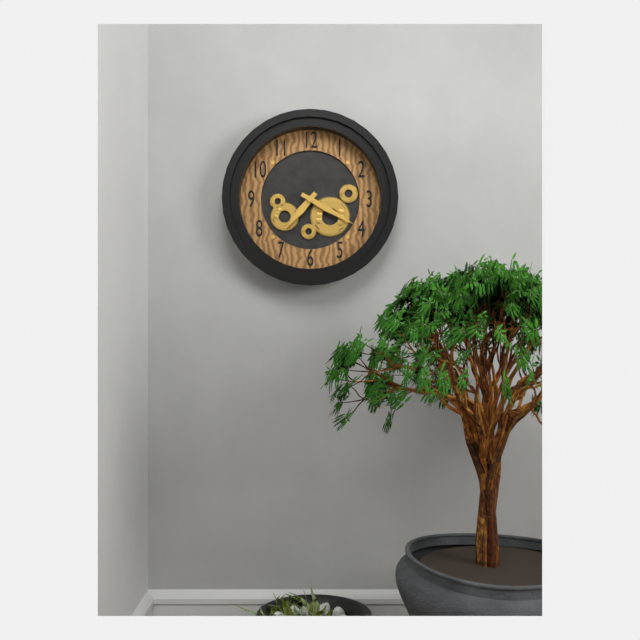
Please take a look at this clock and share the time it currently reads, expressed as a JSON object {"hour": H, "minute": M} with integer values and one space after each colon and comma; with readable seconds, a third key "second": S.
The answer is {"hour": 7, "minute": 20}
